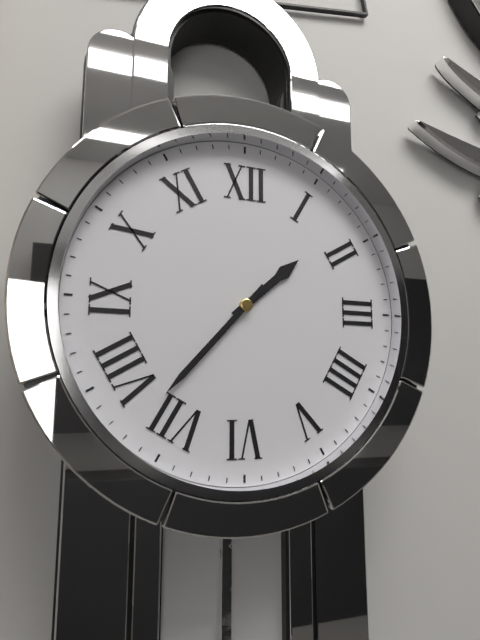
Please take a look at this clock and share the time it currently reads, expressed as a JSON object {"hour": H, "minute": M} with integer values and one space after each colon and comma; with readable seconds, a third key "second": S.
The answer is {"hour": 1, "minute": 37}
